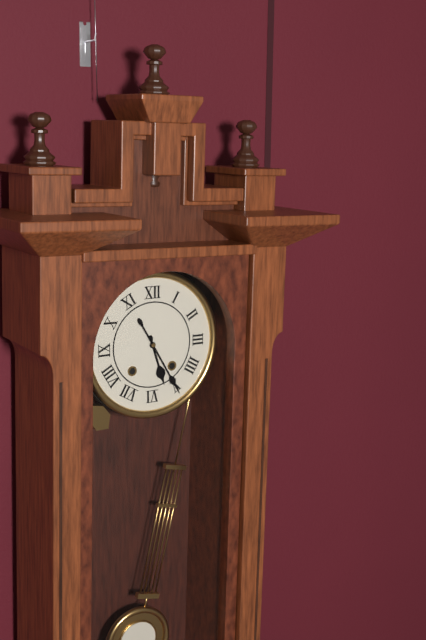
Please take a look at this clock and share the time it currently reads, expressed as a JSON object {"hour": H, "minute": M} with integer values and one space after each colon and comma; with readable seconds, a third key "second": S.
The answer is {"hour": 5, "minute": 25}
